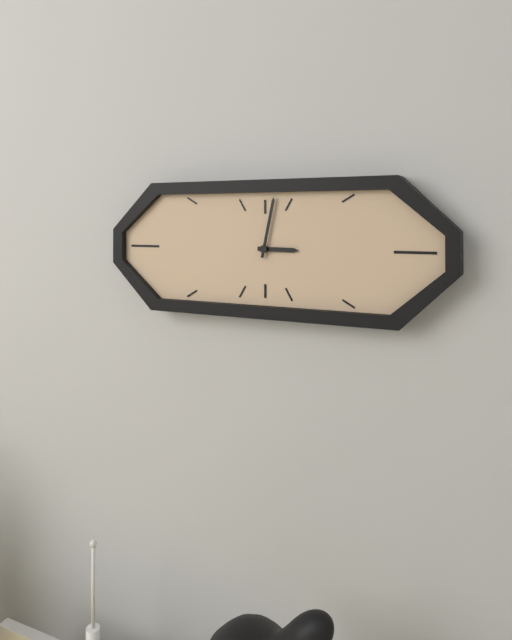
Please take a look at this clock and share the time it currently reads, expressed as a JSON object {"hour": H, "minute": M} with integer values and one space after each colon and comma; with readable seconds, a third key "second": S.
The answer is {"hour": 3, "minute": 2}
